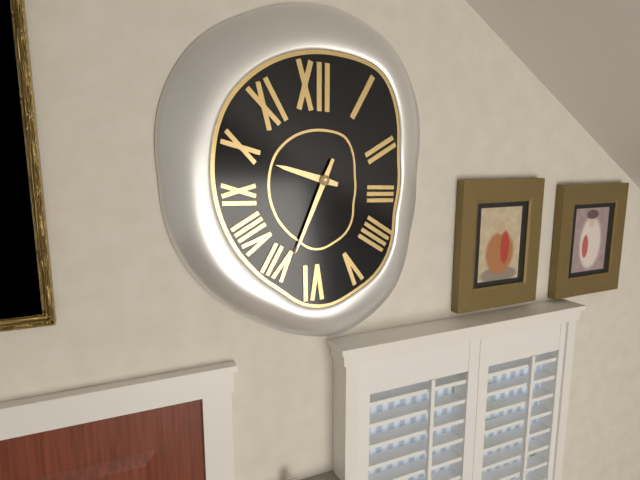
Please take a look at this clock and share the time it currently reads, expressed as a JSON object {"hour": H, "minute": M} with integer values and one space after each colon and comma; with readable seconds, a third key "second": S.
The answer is {"hour": 9, "minute": 34}
